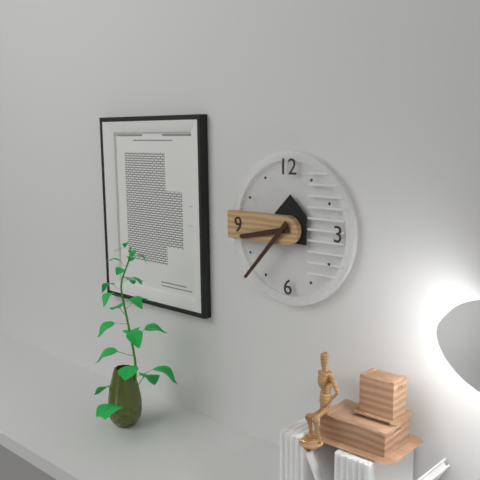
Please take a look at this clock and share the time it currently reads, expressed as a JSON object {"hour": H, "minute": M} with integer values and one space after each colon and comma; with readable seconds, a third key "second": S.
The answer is {"hour": 8, "minute": 37}
